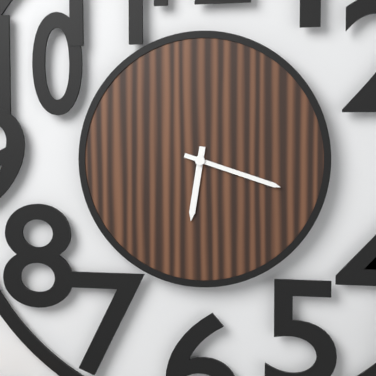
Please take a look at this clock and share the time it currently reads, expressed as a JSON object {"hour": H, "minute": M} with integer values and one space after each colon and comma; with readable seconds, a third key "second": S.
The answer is {"hour": 6, "minute": 18}
